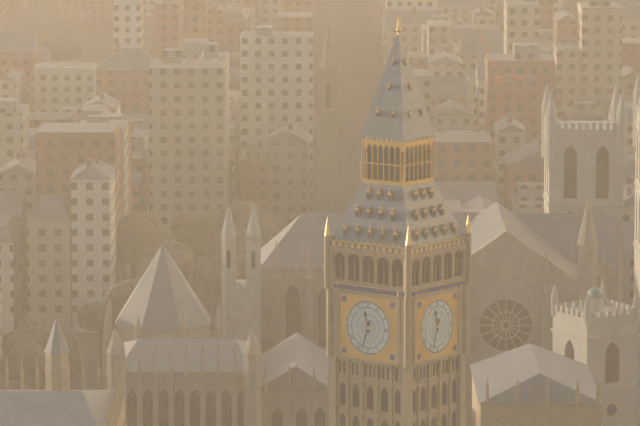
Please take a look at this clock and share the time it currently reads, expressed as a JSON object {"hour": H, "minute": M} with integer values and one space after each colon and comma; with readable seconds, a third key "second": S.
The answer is {"hour": 11, "minute": 33}
